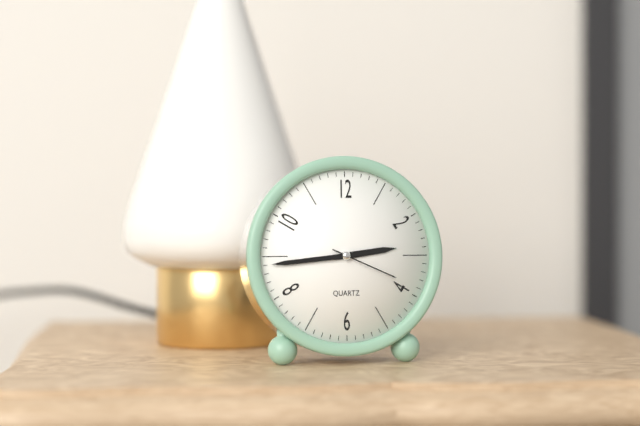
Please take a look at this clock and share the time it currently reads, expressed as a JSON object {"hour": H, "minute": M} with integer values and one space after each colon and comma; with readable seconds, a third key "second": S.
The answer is {"hour": 2, "minute": 44, "second": 19}
